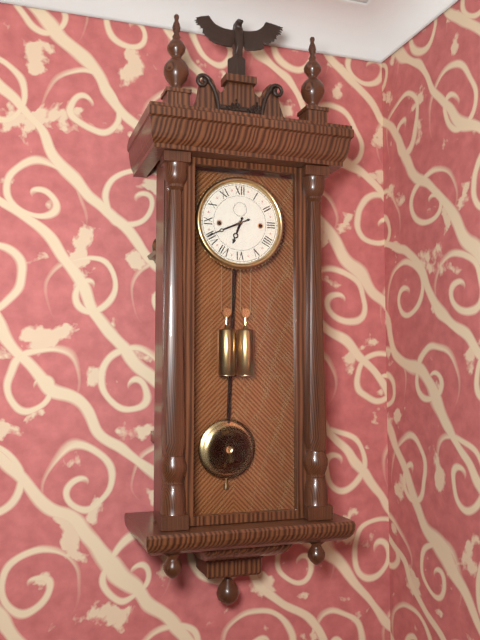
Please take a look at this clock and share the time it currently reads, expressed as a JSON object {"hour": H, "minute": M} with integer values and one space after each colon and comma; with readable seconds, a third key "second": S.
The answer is {"hour": 6, "minute": 41}
